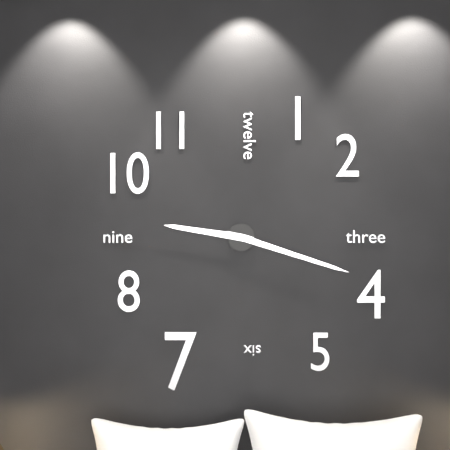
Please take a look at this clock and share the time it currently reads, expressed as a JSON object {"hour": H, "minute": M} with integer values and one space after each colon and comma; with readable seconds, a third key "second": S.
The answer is {"hour": 9, "minute": 18}
